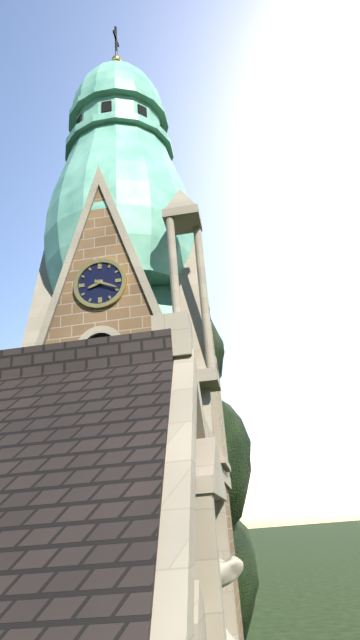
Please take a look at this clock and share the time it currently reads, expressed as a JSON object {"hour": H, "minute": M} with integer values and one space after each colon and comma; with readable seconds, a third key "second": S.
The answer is {"hour": 8, "minute": 19}
